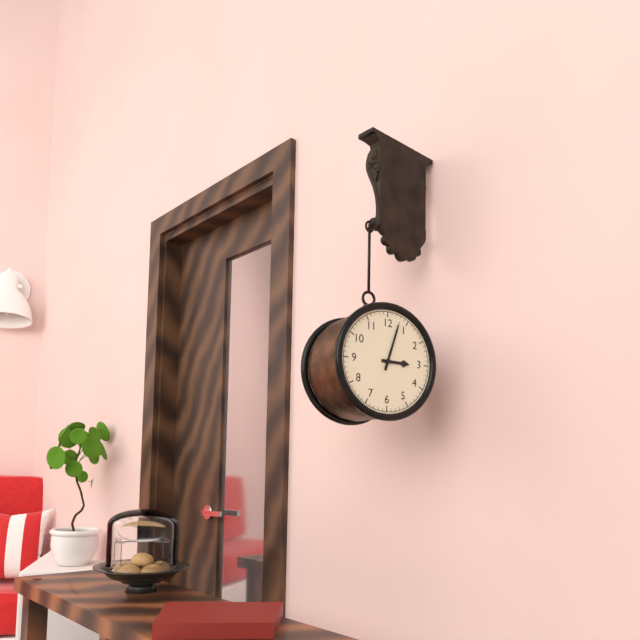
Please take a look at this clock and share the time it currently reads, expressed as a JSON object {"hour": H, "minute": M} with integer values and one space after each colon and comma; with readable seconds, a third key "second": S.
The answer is {"hour": 3, "minute": 3}
